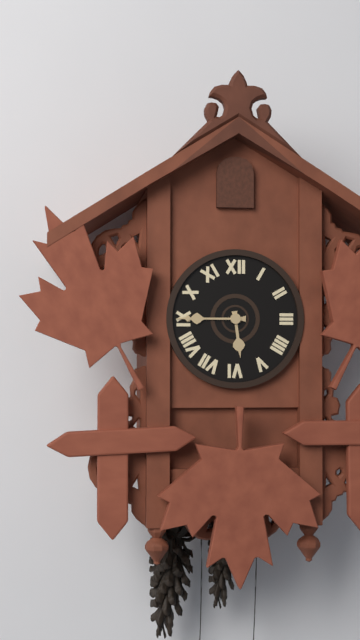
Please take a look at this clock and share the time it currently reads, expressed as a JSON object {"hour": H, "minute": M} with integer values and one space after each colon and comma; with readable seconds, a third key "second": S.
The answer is {"hour": 5, "minute": 45}
